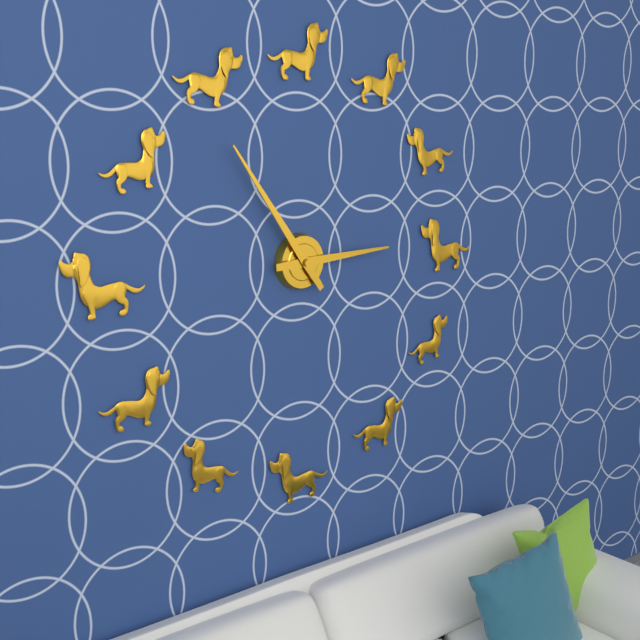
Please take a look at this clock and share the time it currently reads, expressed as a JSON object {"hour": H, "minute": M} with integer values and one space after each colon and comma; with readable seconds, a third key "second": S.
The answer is {"hour": 2, "minute": 54}
